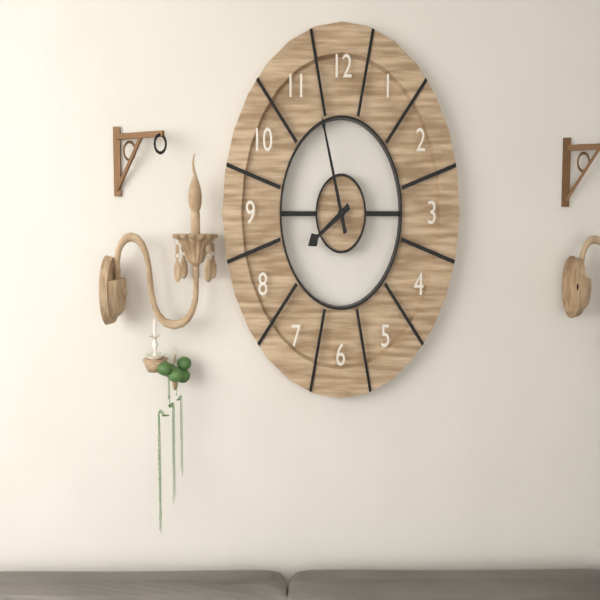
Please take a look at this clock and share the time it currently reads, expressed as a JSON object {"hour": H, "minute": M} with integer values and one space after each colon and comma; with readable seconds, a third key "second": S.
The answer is {"hour": 7, "minute": 57}
